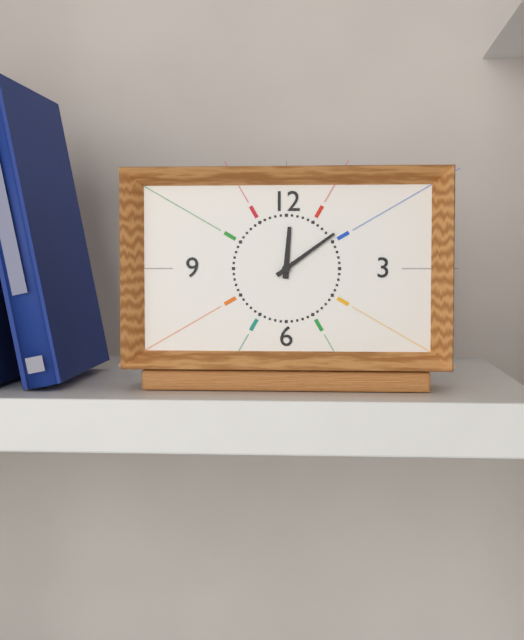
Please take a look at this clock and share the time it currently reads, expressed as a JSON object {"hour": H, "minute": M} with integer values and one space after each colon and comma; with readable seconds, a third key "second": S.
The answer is {"hour": 12, "minute": 9}
